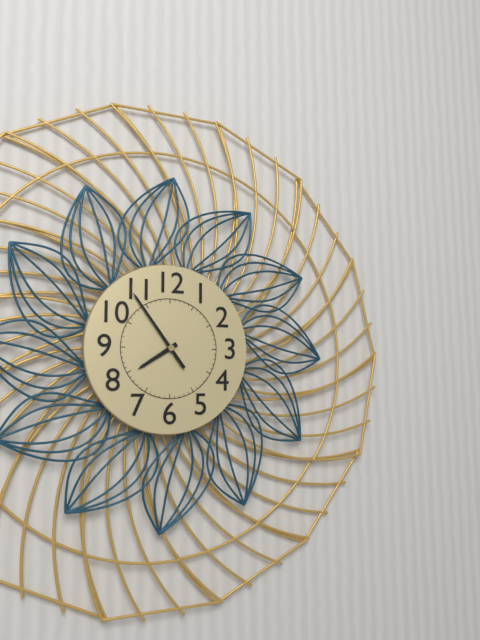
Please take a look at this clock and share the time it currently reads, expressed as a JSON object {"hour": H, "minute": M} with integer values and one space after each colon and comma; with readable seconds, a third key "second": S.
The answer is {"hour": 7, "minute": 54}
